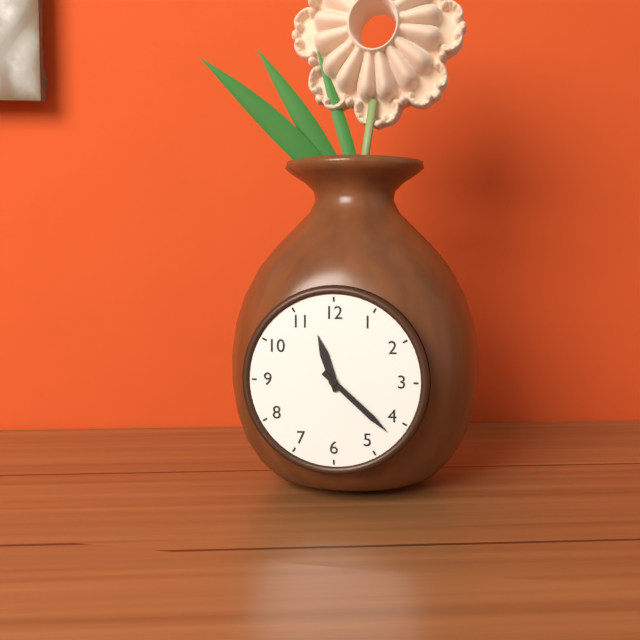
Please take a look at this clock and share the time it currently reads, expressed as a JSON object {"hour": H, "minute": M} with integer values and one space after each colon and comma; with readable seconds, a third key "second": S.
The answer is {"hour": 11, "minute": 22}
